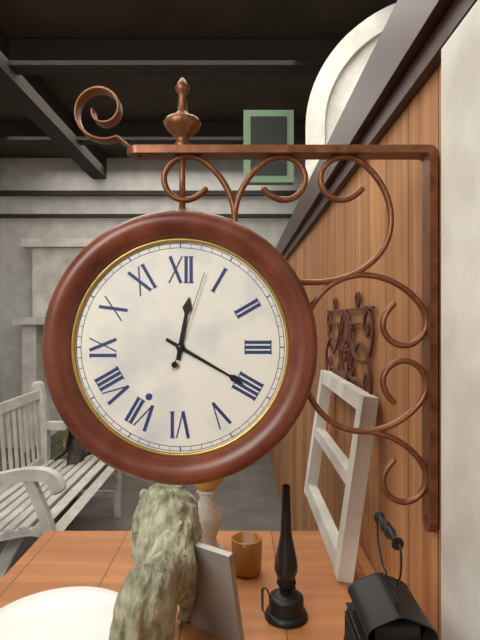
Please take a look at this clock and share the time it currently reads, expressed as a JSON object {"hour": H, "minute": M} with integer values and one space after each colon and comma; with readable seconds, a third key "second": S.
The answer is {"hour": 12, "minute": 20, "second": 3}
